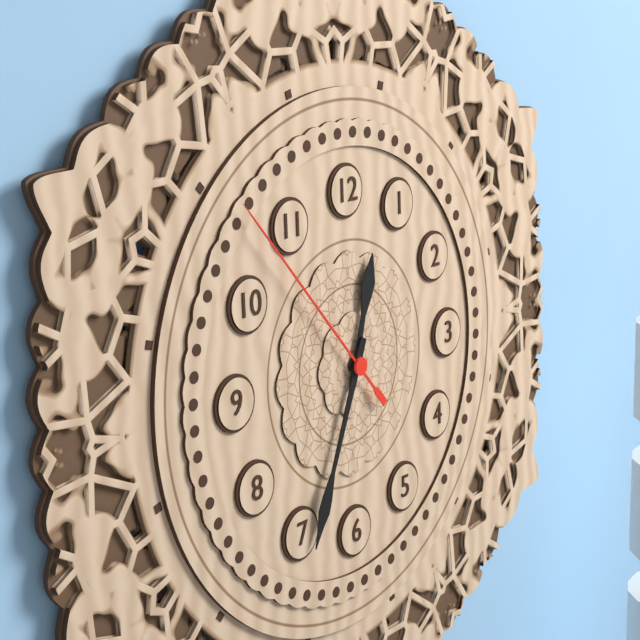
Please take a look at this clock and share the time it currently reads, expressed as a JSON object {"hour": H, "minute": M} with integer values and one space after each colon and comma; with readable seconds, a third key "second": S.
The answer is {"hour": 12, "minute": 34, "second": 53}
